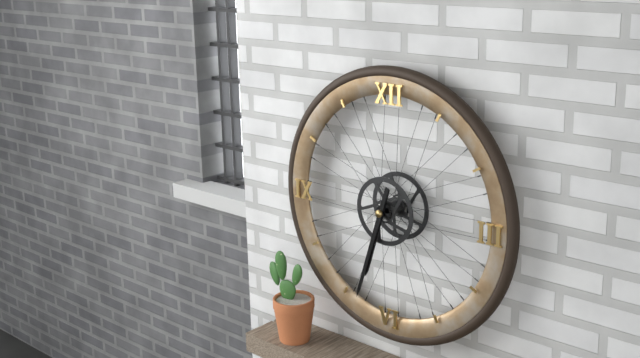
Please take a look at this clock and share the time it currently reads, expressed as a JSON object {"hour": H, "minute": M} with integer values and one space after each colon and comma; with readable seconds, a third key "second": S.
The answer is {"hour": 6, "minute": 33}
